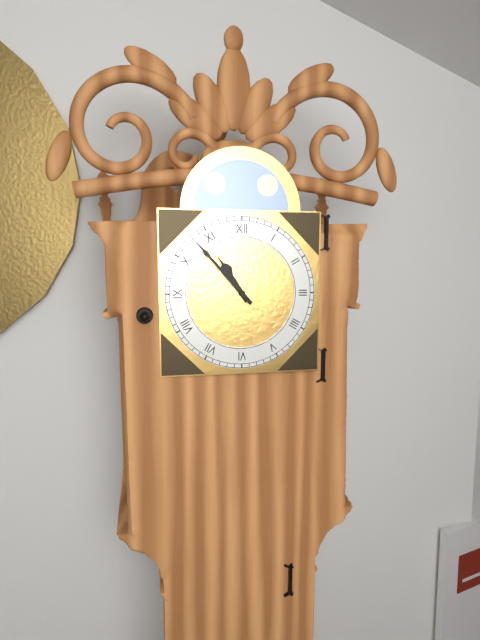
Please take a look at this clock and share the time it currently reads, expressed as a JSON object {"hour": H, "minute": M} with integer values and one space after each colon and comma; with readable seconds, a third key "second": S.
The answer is {"hour": 10, "minute": 53}
